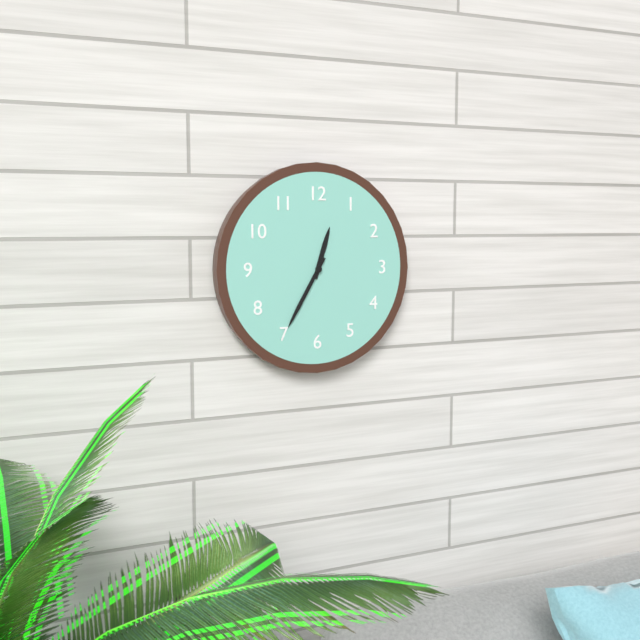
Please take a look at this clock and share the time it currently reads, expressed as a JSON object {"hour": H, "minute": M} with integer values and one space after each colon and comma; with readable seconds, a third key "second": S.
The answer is {"hour": 12, "minute": 35}
